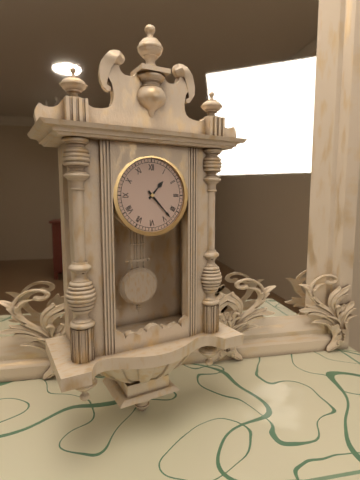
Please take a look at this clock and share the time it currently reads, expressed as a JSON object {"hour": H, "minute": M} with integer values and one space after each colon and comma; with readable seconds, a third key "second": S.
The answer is {"hour": 1, "minute": 23}
